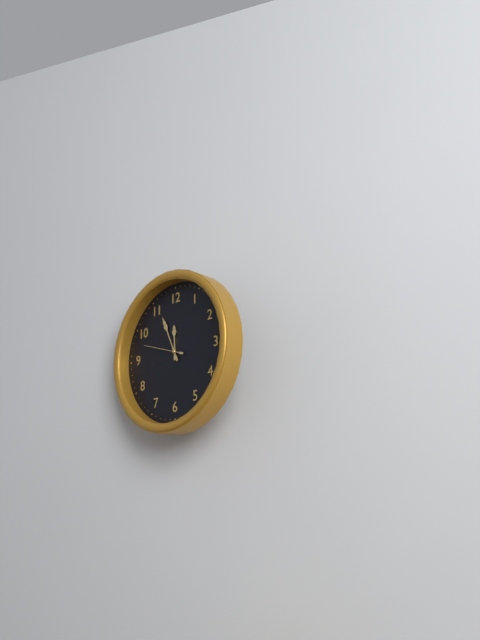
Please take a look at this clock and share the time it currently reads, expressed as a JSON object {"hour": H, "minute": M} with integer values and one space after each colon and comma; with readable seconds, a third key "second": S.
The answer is {"hour": 11, "minute": 56}
